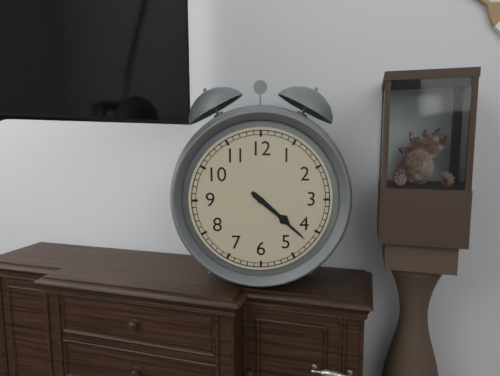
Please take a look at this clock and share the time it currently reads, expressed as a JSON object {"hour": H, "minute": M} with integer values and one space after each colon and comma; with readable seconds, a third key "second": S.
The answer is {"hour": 4, "minute": 22}
